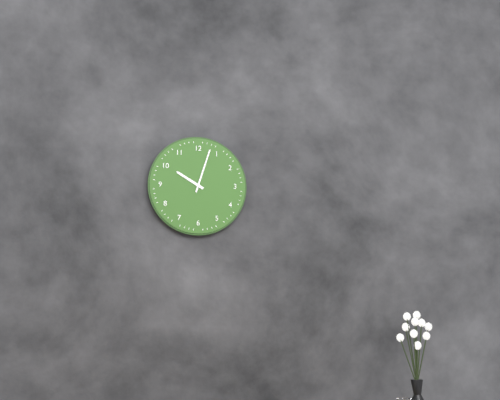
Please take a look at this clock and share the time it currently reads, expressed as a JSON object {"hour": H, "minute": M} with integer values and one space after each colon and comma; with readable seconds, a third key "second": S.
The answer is {"hour": 10, "minute": 3}
